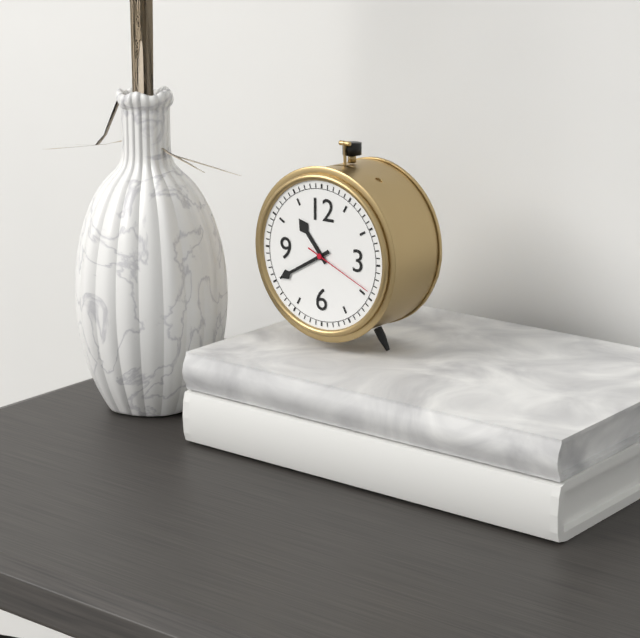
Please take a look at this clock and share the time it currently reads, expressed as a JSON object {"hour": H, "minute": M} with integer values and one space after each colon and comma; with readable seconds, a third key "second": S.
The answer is {"hour": 10, "minute": 40, "second": 19}
